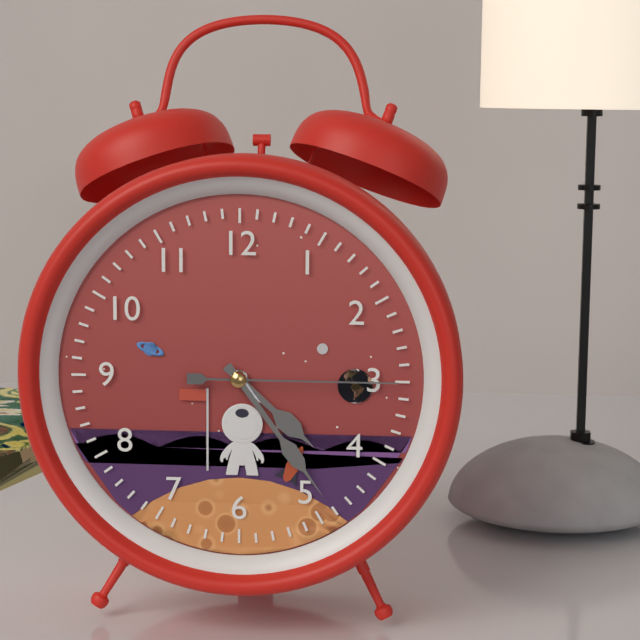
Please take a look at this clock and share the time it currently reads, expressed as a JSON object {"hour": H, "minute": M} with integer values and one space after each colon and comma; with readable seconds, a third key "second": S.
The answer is {"hour": 4, "minute": 24, "second": 15}
